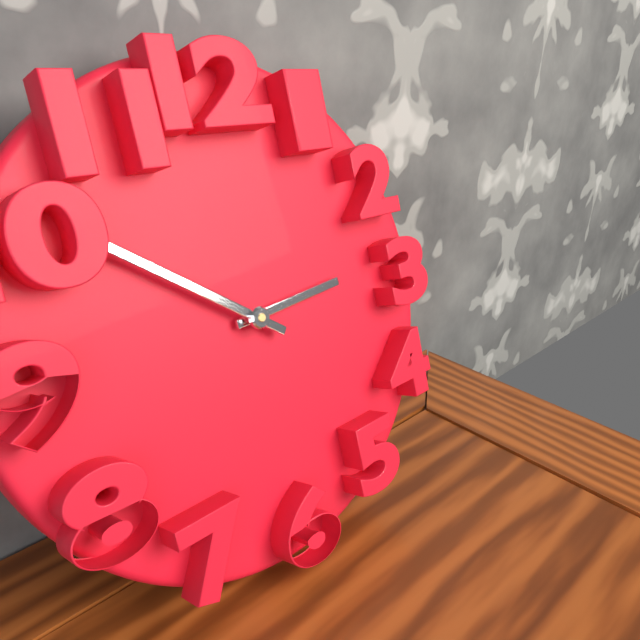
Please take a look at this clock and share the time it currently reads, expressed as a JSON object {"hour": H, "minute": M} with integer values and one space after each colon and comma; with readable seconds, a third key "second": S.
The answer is {"hour": 2, "minute": 51}
